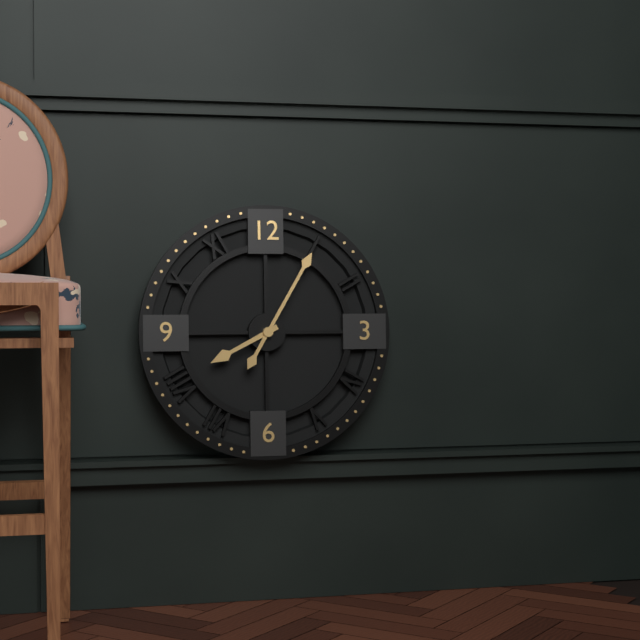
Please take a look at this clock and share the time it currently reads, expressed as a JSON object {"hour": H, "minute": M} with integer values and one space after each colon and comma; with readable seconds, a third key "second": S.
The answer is {"hour": 8, "minute": 5}
